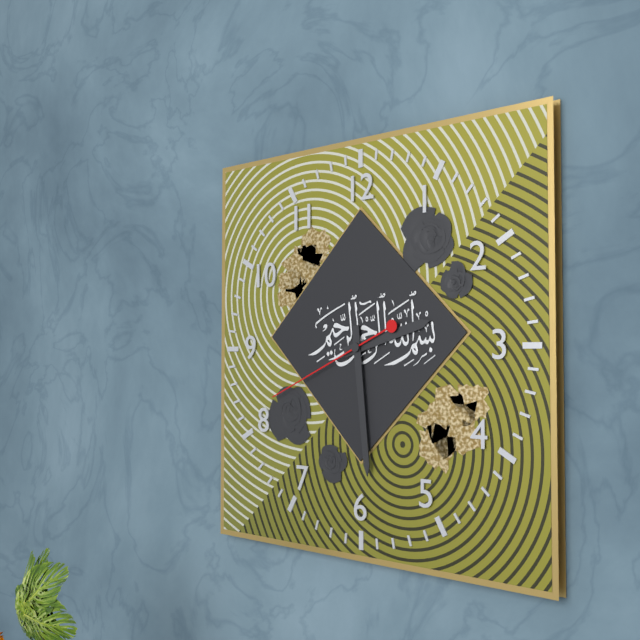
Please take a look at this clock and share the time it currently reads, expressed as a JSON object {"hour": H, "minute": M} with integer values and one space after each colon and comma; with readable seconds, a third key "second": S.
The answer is {"hour": 2, "minute": 29, "second": 41}
